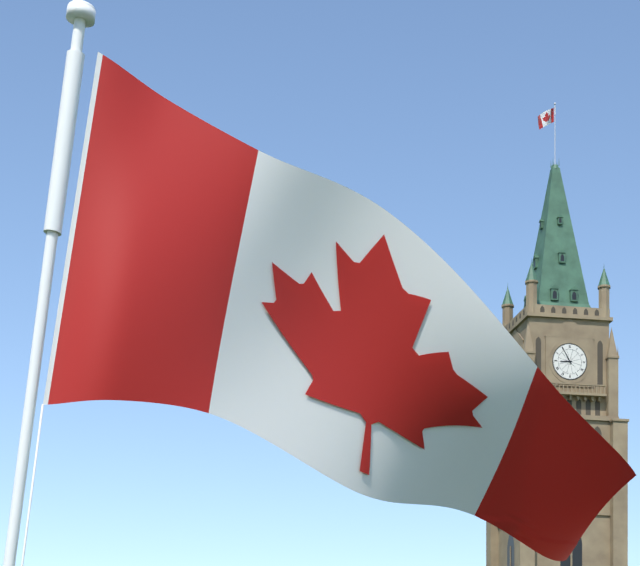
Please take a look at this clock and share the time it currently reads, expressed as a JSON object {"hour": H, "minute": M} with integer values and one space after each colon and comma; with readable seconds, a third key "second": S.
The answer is {"hour": 8, "minute": 55}
